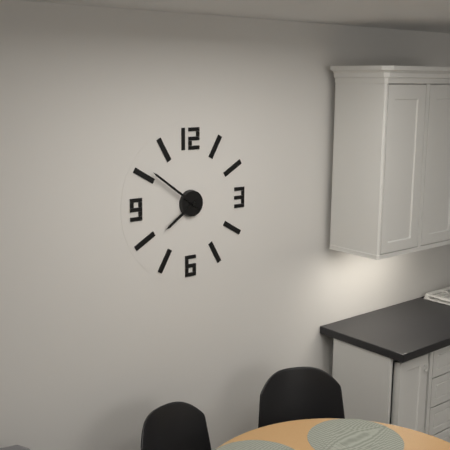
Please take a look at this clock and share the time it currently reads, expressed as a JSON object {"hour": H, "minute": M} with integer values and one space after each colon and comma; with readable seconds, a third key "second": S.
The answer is {"hour": 7, "minute": 51}
